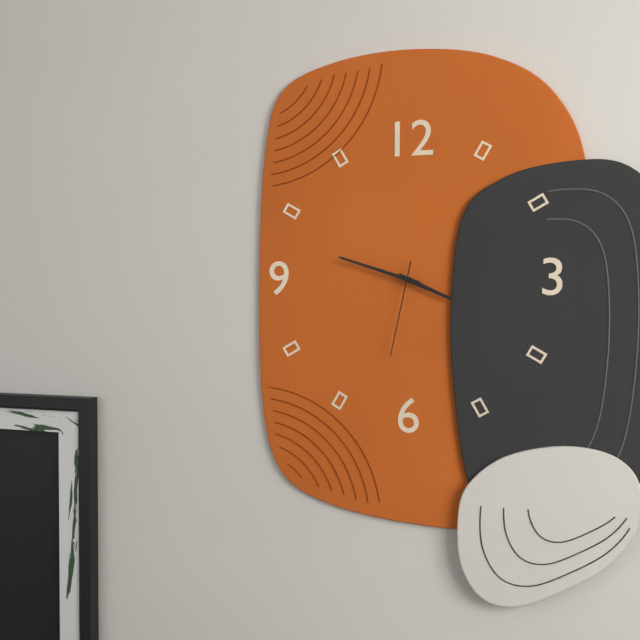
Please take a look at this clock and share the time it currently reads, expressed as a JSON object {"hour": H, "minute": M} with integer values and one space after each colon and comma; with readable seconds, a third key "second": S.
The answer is {"hour": 3, "minute": 48, "second": 32}
